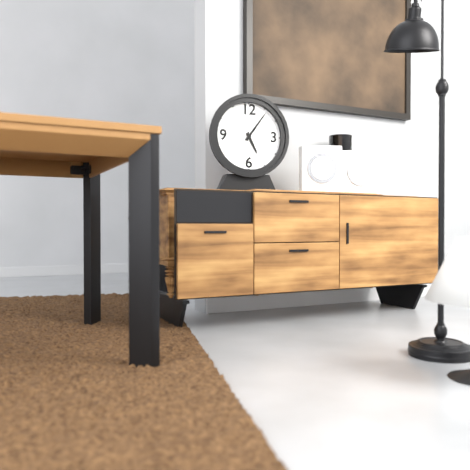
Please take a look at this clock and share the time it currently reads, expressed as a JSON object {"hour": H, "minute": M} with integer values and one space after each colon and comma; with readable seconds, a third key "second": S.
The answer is {"hour": 5, "minute": 6}
